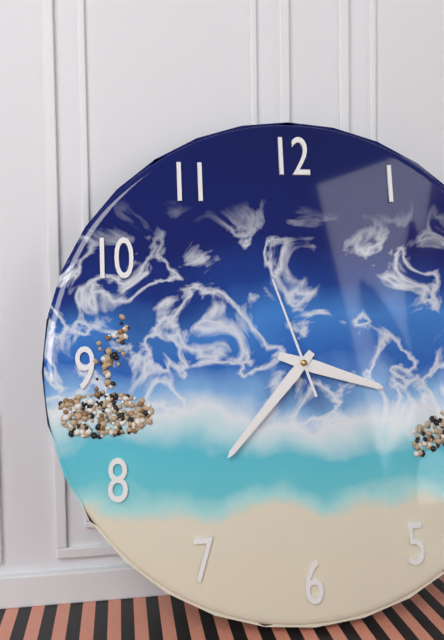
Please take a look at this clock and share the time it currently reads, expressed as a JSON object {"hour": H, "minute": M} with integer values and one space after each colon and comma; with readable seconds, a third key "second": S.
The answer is {"hour": 3, "minute": 37, "second": 57}
